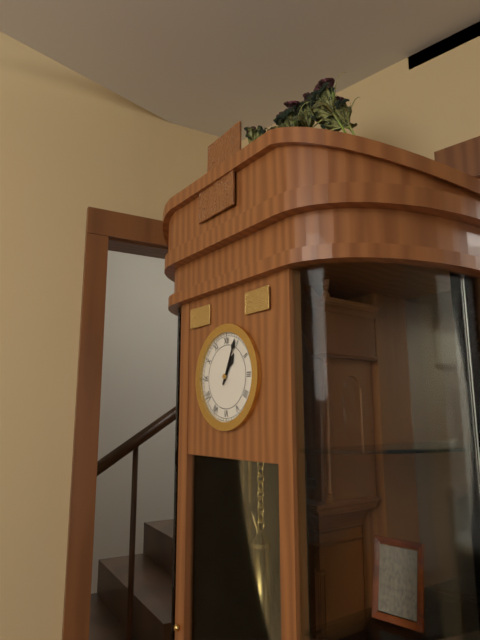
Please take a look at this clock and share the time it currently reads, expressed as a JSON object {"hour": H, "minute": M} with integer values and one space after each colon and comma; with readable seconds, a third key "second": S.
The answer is {"hour": 1, "minute": 4}
